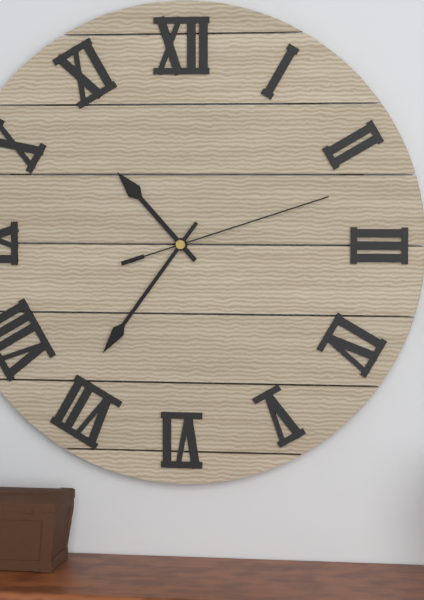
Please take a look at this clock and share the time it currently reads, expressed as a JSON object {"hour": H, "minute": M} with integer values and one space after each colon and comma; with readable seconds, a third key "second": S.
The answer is {"hour": 10, "minute": 36, "second": 12}
